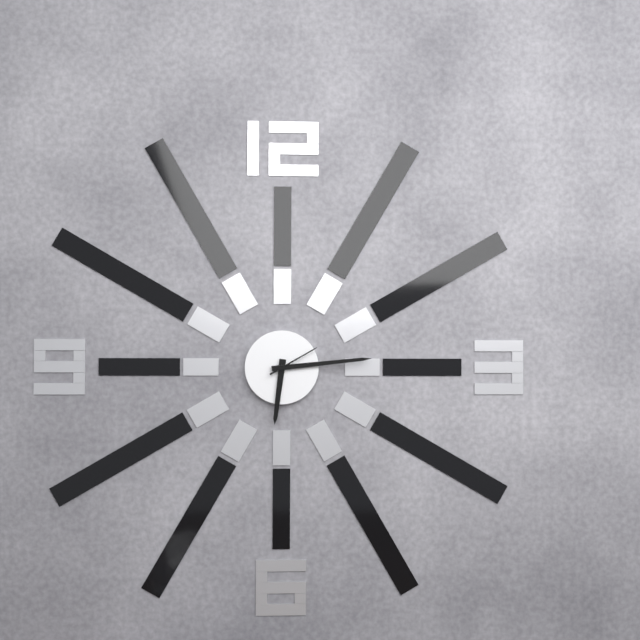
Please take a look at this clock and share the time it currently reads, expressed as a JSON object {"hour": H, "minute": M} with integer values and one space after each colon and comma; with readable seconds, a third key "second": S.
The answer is {"hour": 6, "minute": 14, "second": 10}
